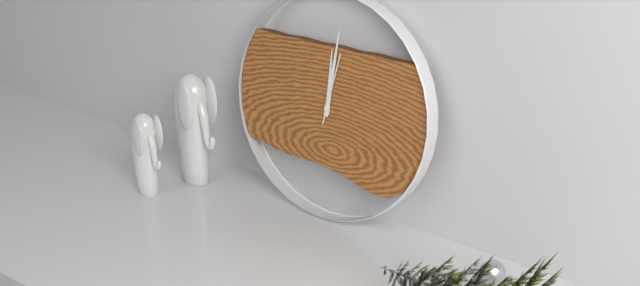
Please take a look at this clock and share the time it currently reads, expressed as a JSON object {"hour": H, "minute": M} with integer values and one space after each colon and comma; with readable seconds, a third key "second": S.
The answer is {"hour": 12, "minute": 1, "second": 2}
